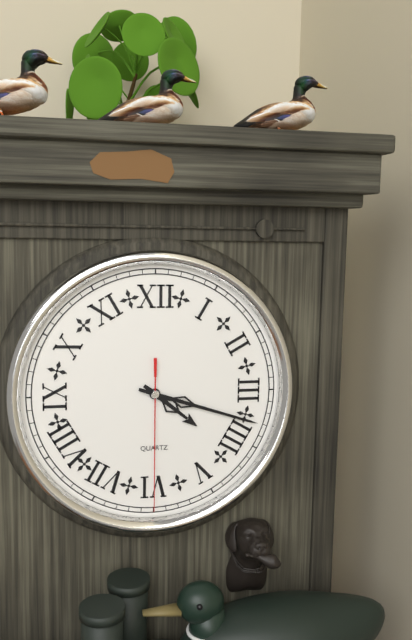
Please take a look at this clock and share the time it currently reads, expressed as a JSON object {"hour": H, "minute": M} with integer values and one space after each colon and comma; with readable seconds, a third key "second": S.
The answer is {"hour": 4, "minute": 18, "second": 30}
